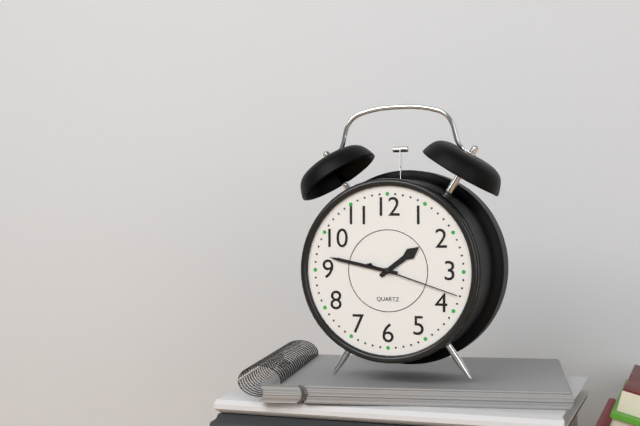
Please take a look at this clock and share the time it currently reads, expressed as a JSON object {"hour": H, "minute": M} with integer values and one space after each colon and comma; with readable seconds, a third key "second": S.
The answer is {"hour": 1, "minute": 47, "second": 18}
